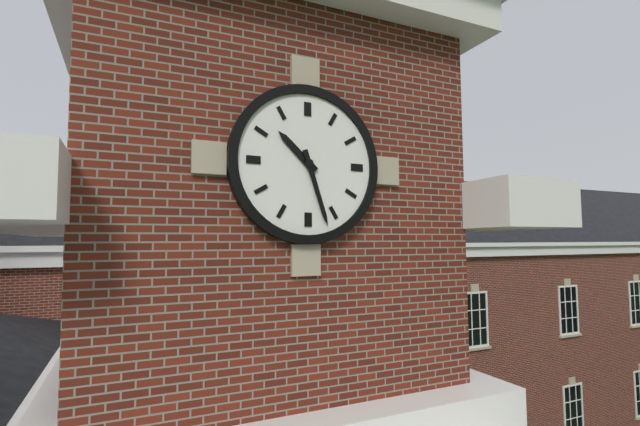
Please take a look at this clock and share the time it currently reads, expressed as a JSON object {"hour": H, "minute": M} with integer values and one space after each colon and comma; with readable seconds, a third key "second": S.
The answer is {"hour": 10, "minute": 27}
